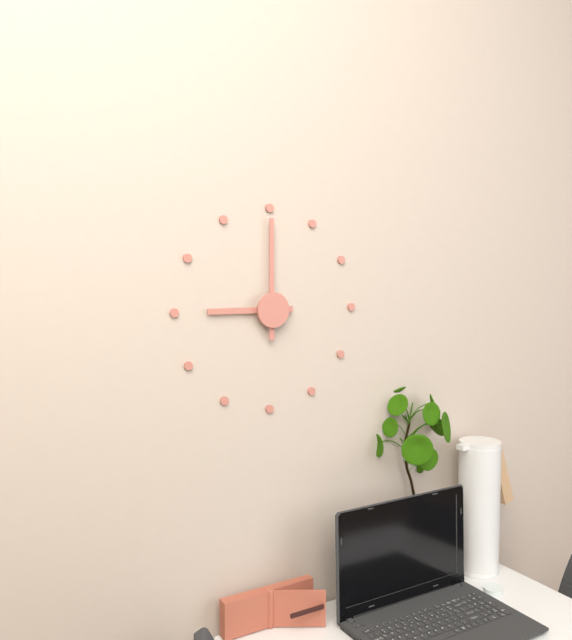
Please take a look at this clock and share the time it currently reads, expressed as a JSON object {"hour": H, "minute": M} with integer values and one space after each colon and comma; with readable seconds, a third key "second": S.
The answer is {"hour": 9, "minute": 0}
